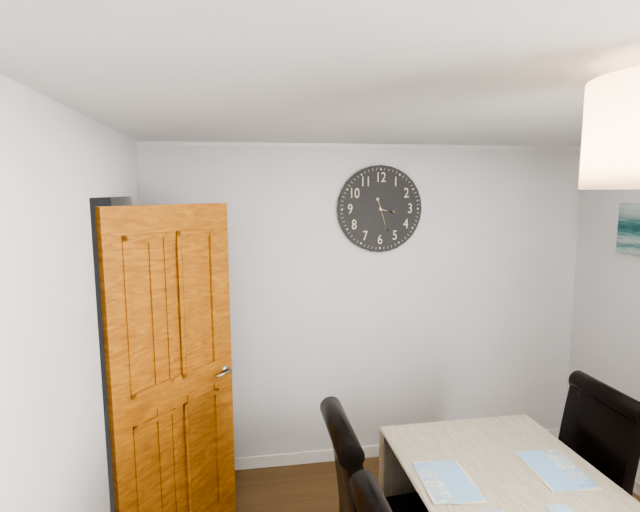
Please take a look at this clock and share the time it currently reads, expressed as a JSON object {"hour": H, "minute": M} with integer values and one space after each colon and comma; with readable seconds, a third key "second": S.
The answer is {"hour": 3, "minute": 27}
